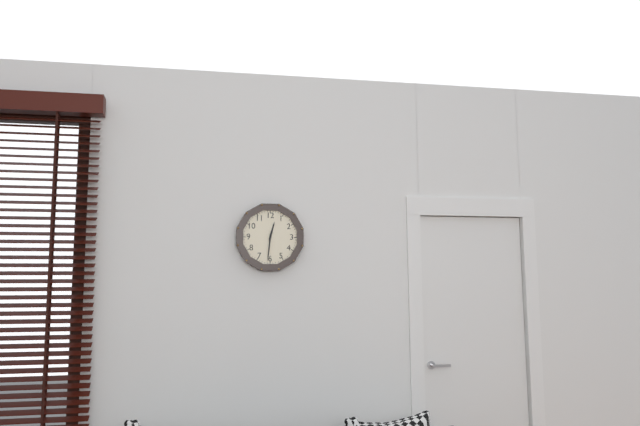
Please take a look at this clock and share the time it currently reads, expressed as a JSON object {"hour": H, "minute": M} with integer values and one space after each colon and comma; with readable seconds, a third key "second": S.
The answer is {"hour": 12, "minute": 31}
